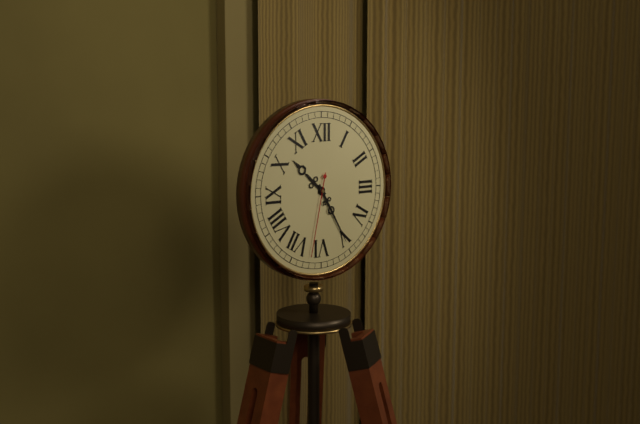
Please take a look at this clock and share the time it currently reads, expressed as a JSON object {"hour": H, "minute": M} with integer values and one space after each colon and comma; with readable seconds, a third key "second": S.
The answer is {"hour": 10, "minute": 25, "second": 32}
